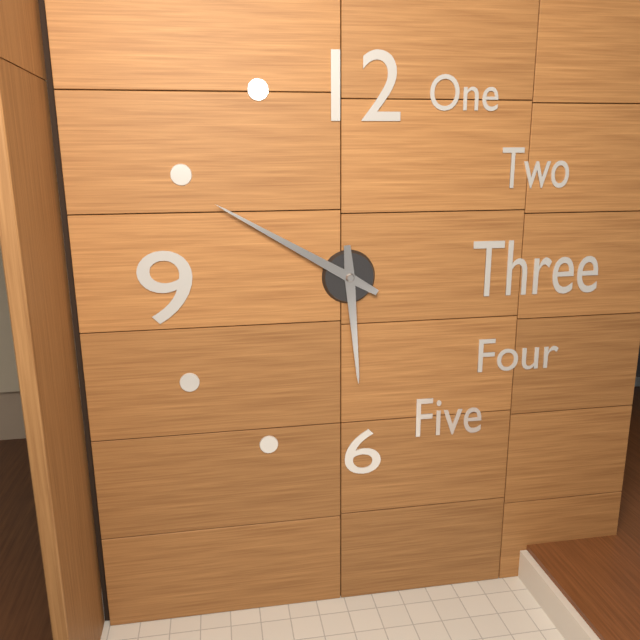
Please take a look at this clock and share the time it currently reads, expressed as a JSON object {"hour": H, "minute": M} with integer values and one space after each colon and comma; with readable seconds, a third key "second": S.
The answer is {"hour": 5, "minute": 50}
